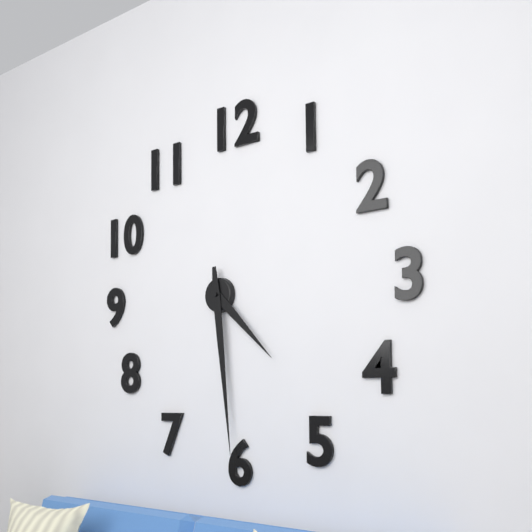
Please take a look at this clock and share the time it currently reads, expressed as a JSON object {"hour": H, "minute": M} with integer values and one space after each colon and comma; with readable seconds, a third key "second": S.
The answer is {"hour": 4, "minute": 29}
